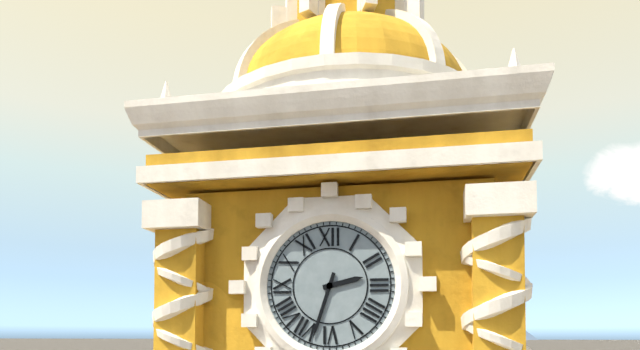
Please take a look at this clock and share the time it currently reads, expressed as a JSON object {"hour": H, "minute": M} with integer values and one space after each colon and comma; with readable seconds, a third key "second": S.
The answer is {"hour": 2, "minute": 33}
